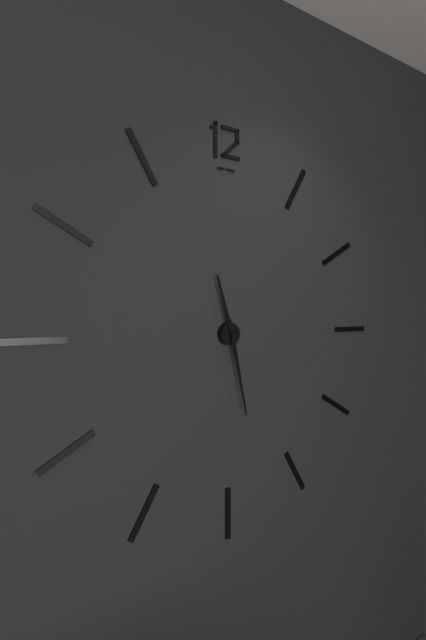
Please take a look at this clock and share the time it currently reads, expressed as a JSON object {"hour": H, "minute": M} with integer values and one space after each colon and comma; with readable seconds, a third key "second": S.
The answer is {"hour": 11, "minute": 28}
